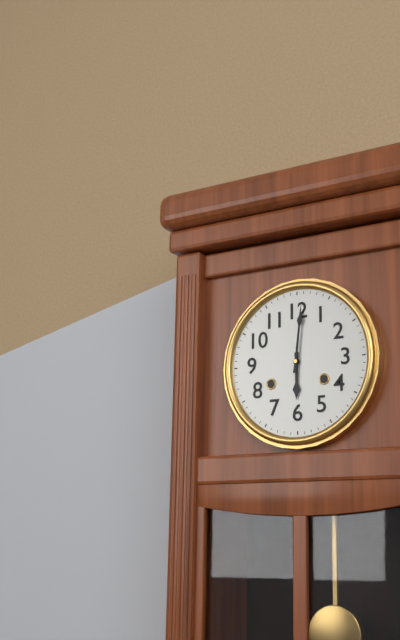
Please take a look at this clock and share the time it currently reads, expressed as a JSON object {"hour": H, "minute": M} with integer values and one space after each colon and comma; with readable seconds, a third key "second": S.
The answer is {"hour": 6, "minute": 1}
